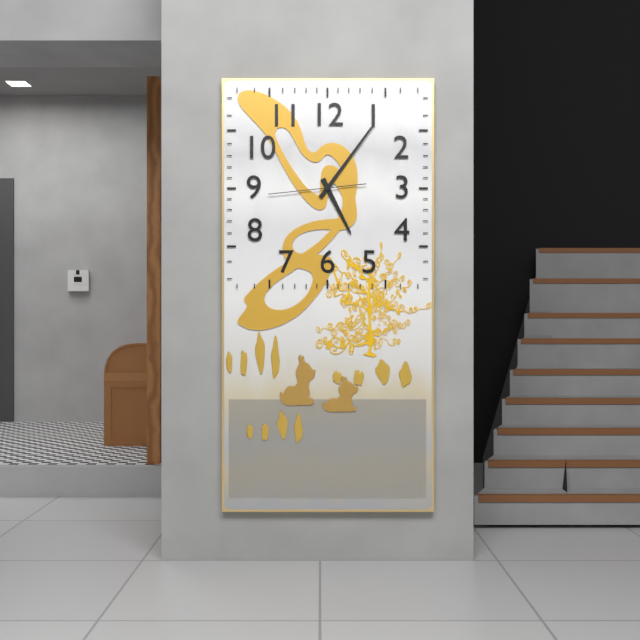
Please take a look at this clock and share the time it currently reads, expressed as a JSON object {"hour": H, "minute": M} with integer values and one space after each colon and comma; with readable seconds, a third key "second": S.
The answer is {"hour": 5, "minute": 6, "second": 44}
